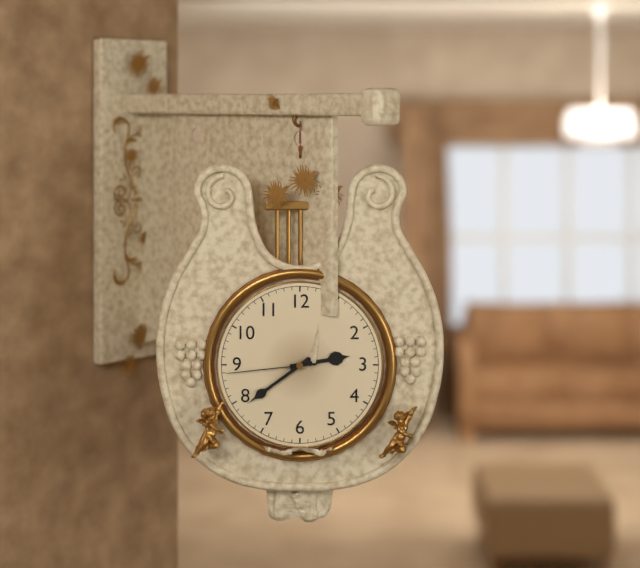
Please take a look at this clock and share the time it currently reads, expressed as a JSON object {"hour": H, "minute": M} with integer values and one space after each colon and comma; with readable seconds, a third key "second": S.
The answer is {"hour": 2, "minute": 39, "second": 44}
